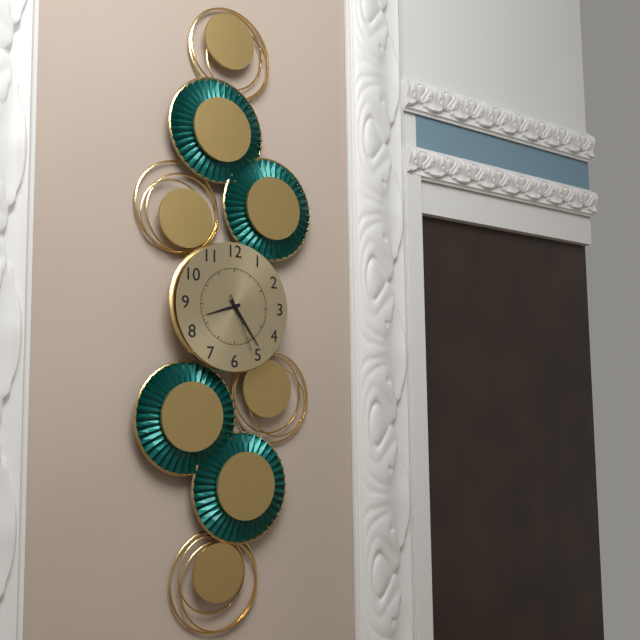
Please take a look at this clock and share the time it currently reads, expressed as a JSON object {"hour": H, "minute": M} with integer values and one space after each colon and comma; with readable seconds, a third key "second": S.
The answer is {"hour": 8, "minute": 24, "second": 26}
